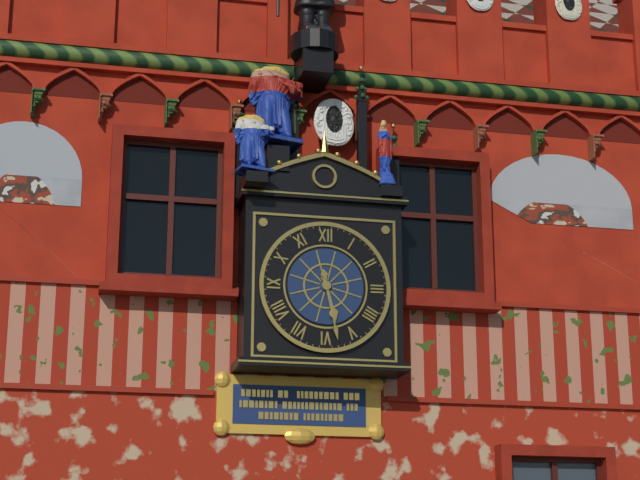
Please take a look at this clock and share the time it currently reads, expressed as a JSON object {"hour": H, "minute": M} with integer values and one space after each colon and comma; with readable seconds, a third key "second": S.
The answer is {"hour": 5, "minute": 28}
